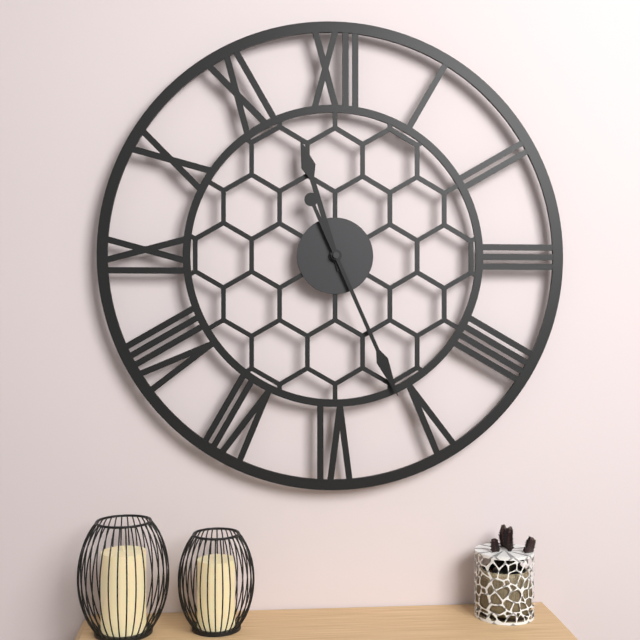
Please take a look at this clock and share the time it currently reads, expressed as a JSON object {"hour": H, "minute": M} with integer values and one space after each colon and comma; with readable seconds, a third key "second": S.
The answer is {"hour": 11, "minute": 26}
